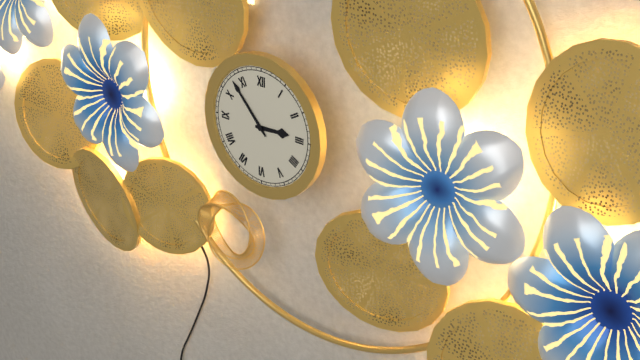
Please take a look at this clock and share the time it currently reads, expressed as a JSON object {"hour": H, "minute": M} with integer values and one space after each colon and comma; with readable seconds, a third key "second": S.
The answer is {"hour": 2, "minute": 53}
